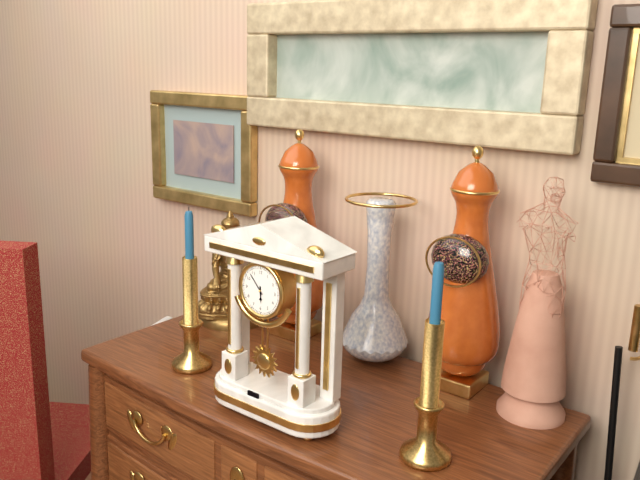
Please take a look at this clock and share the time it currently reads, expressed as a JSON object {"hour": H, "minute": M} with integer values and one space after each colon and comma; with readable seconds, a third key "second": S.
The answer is {"hour": 5, "minute": 53}
